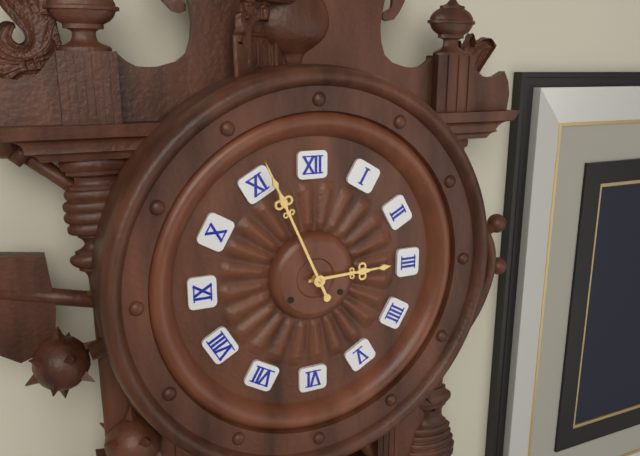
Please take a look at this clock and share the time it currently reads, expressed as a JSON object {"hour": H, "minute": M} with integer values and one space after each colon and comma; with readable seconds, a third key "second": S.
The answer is {"hour": 2, "minute": 56}
